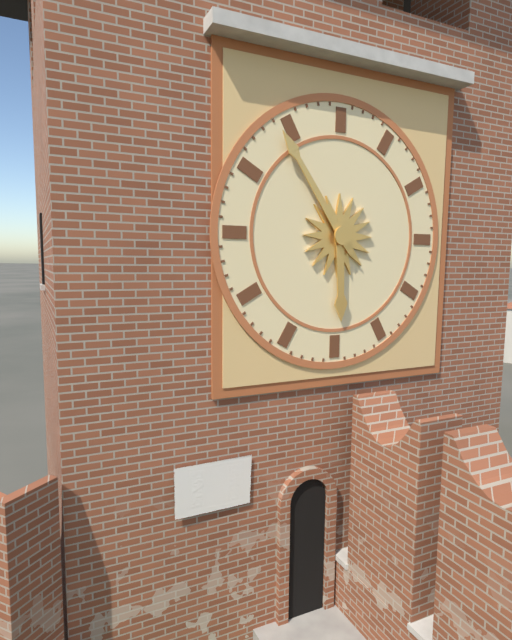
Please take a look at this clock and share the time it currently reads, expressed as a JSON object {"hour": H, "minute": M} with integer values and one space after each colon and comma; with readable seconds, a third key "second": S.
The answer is {"hour": 5, "minute": 54}
